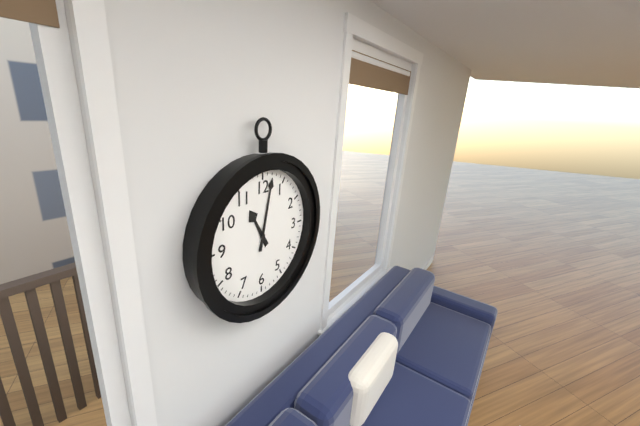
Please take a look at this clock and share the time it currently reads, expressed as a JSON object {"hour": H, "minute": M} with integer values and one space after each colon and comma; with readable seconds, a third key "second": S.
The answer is {"hour": 11, "minute": 2}
